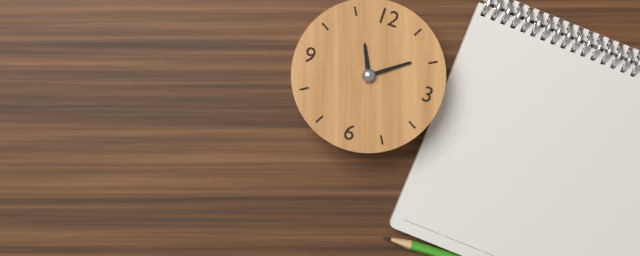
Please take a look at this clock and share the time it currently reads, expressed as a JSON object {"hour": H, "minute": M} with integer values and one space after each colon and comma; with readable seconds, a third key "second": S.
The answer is {"hour": 11, "minute": 9}
